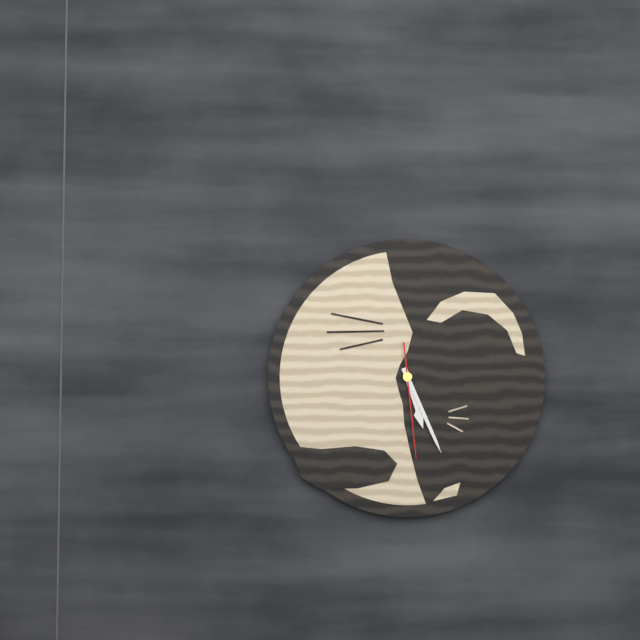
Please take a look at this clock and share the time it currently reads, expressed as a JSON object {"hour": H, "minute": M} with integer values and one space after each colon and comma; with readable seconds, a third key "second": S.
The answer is {"hour": 5, "minute": 26, "second": 29}
